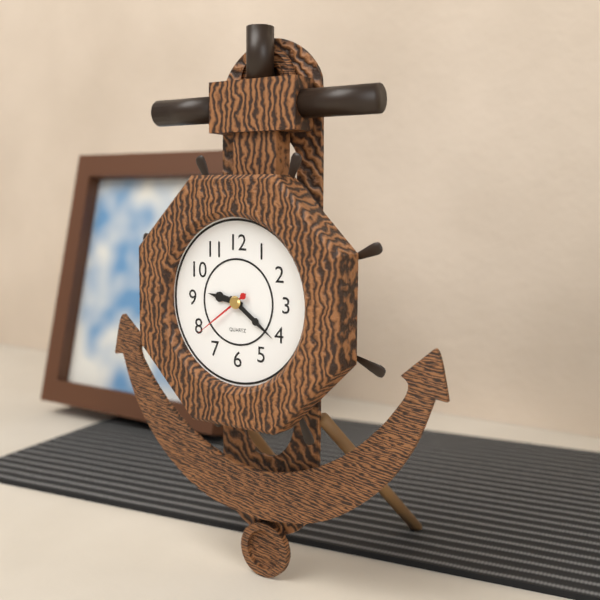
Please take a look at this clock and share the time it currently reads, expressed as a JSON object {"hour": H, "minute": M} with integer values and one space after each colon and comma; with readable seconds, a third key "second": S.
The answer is {"hour": 9, "minute": 21, "second": 39}
